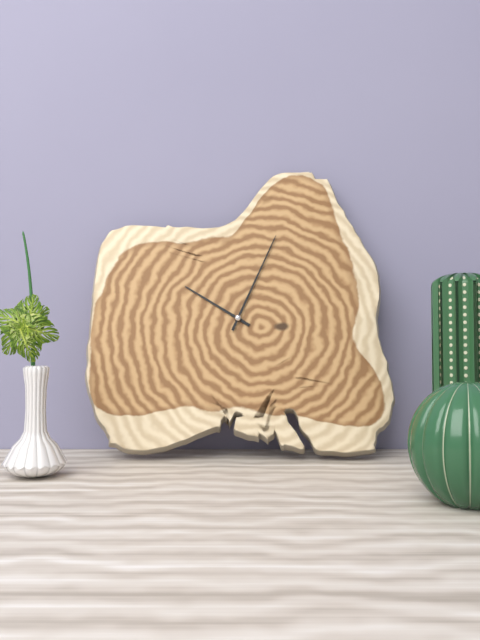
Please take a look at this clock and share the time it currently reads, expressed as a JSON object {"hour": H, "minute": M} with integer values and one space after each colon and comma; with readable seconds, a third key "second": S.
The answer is {"hour": 10, "minute": 4}
